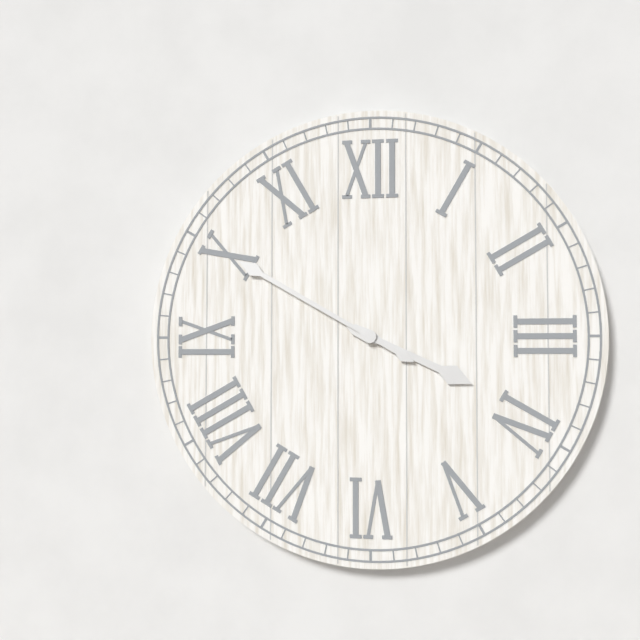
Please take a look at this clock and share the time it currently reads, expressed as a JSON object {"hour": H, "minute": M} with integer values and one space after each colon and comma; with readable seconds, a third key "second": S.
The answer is {"hour": 3, "minute": 50}
